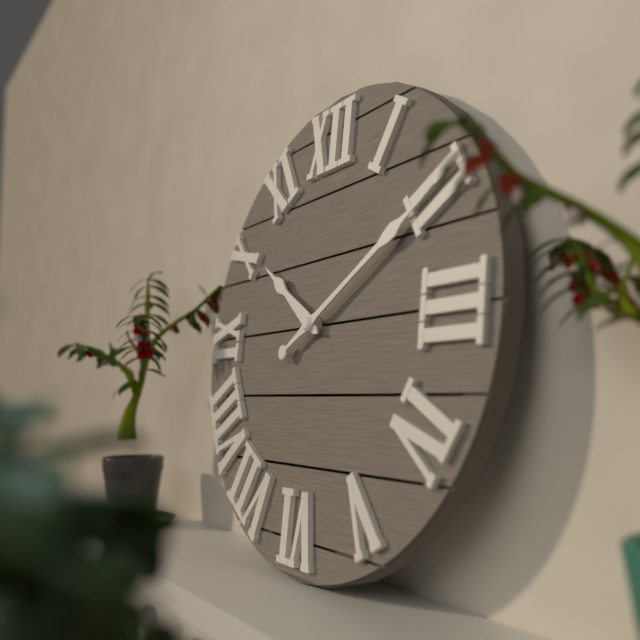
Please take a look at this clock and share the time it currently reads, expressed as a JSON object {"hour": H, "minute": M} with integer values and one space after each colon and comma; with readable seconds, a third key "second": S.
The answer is {"hour": 10, "minute": 10}
